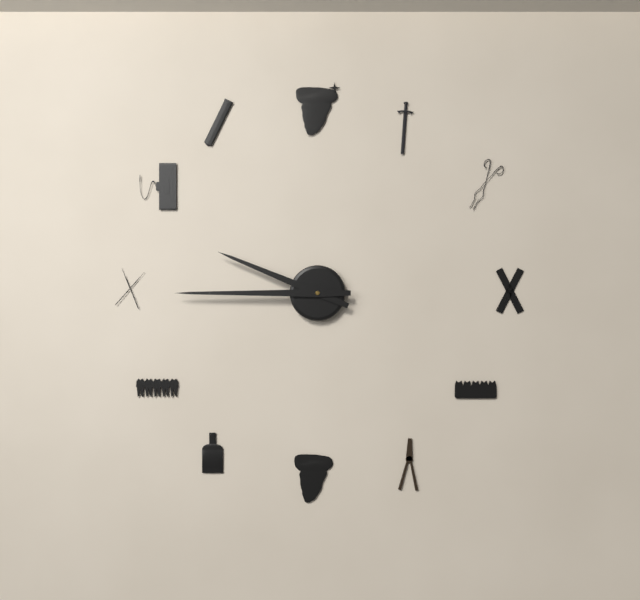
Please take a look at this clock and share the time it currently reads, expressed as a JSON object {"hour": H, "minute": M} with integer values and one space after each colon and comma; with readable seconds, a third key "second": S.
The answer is {"hour": 9, "minute": 45}
